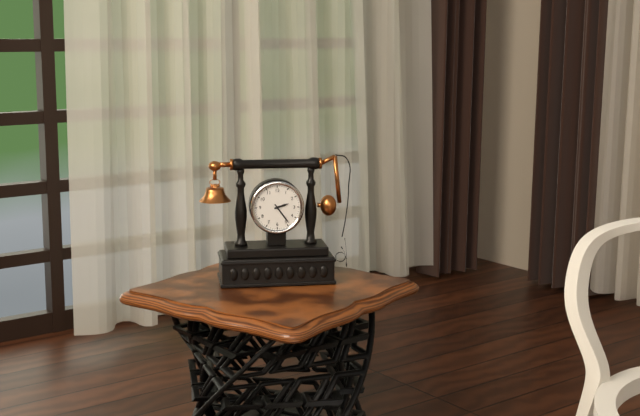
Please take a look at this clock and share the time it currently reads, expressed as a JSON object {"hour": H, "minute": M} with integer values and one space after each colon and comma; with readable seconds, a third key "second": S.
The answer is {"hour": 2, "minute": 24}
